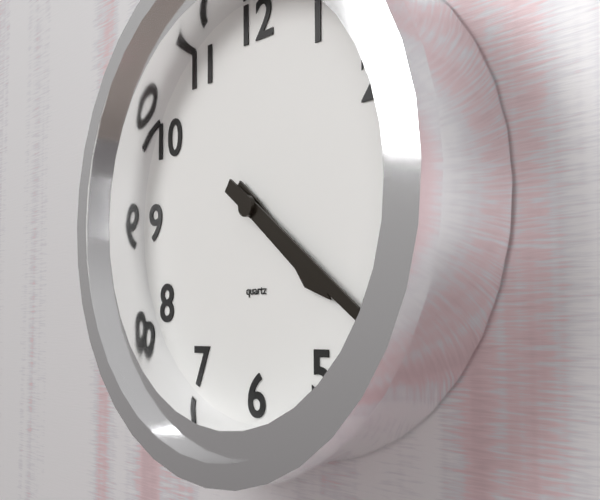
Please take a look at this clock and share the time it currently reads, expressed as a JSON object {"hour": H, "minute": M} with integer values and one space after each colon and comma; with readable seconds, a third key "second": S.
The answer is {"hour": 4, "minute": 21}
